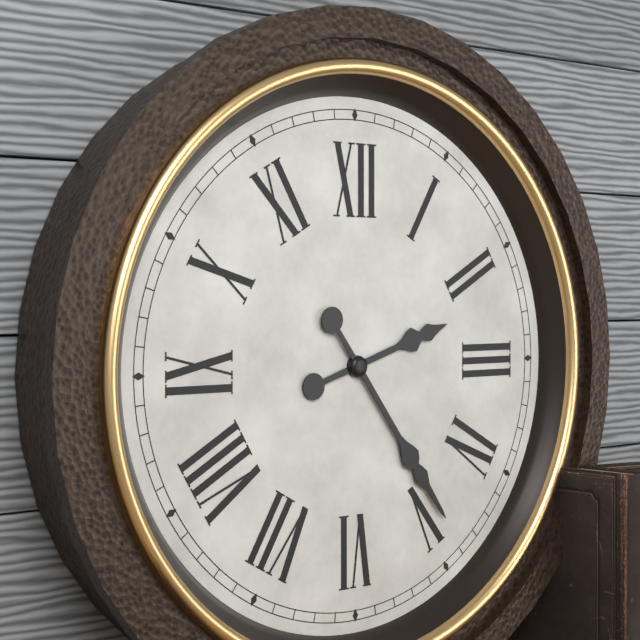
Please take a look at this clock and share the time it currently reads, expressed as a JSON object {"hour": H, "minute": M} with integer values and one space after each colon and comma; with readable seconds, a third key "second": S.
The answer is {"hour": 2, "minute": 24}
